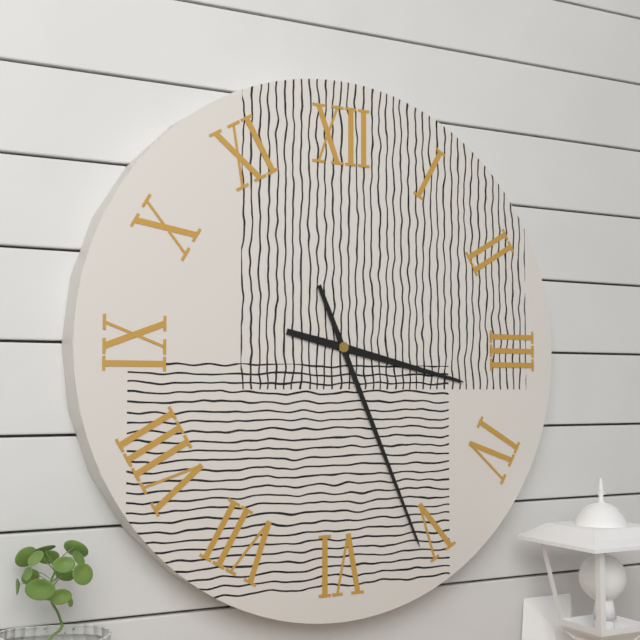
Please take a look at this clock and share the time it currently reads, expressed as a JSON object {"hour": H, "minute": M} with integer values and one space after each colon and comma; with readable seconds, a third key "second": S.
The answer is {"hour": 3, "minute": 26}
